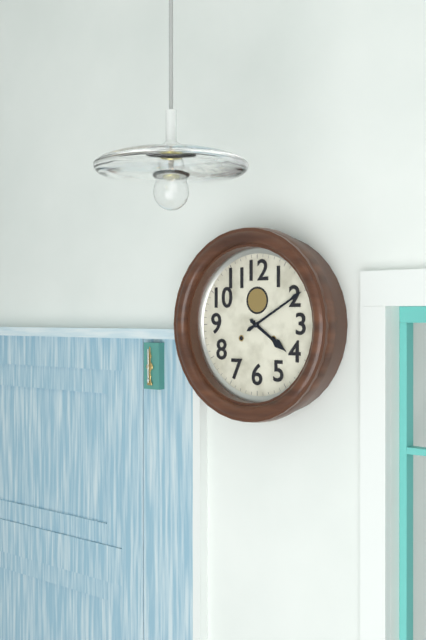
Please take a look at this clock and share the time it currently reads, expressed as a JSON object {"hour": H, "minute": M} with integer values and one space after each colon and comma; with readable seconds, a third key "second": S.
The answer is {"hour": 4, "minute": 10}
